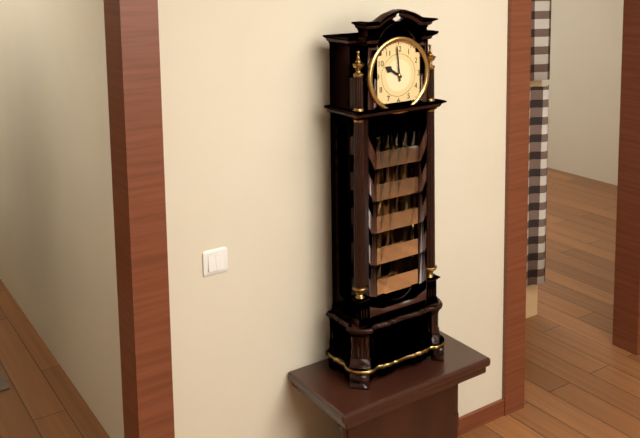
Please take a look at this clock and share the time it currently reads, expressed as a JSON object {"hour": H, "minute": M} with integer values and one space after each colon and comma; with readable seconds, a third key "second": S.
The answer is {"hour": 9, "minute": 59}
